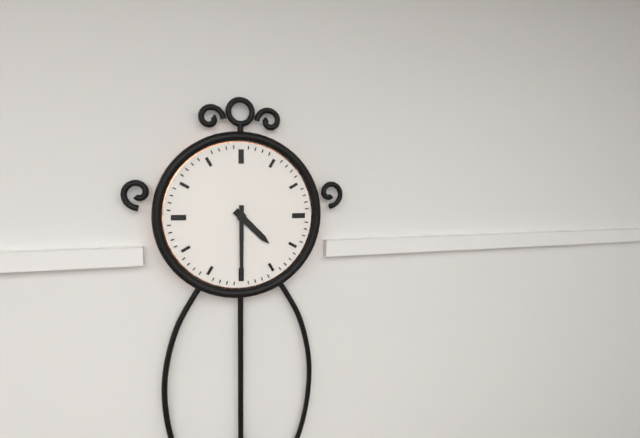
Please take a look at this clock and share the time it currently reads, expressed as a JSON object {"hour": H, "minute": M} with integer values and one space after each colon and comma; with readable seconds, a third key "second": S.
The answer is {"hour": 4, "minute": 30}
